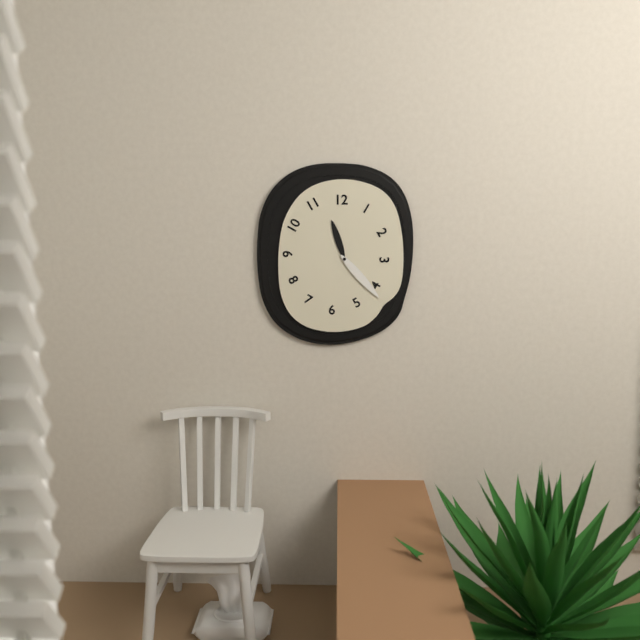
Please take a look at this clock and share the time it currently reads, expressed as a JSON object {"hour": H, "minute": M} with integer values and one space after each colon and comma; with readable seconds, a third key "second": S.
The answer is {"hour": 11, "minute": 23}
